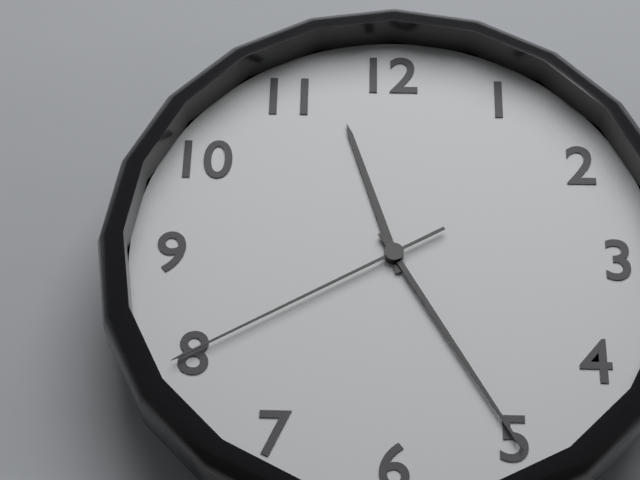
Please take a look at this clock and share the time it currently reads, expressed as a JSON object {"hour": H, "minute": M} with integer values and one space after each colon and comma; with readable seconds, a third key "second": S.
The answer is {"hour": 11, "minute": 25, "second": 40}
